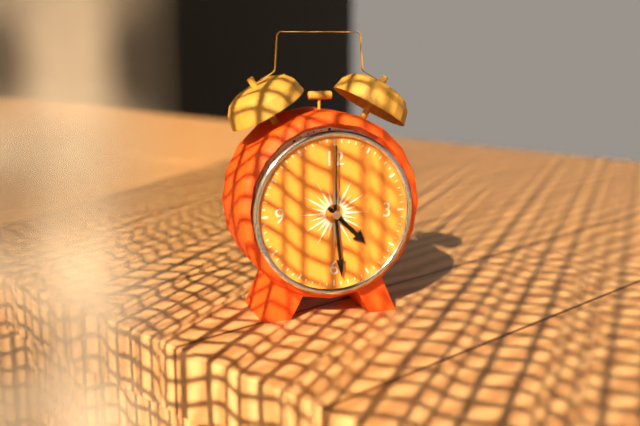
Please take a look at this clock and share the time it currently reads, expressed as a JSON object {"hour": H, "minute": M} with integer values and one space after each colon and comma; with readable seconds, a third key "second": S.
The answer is {"hour": 4, "minute": 29, "second": 0}
